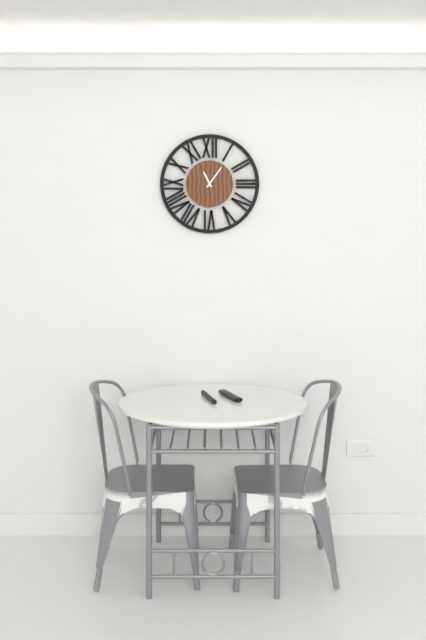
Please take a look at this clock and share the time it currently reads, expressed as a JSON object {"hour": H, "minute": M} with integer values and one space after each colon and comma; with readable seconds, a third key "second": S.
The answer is {"hour": 11, "minute": 6}
